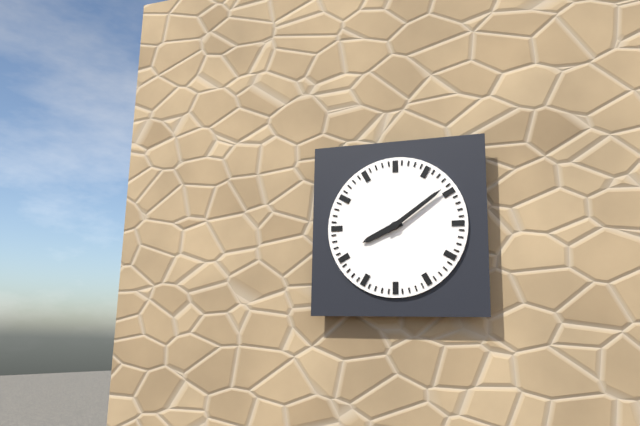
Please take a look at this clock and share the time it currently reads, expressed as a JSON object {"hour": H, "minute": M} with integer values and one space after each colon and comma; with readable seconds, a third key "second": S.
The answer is {"hour": 8, "minute": 9}
